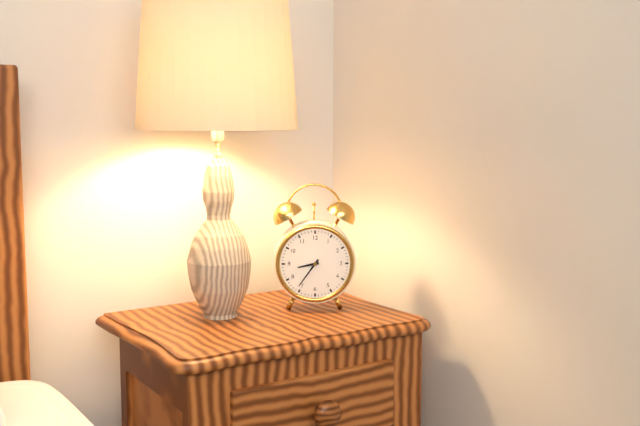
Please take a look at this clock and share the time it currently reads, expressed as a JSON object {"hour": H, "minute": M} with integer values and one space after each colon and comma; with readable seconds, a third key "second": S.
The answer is {"hour": 8, "minute": 36}
